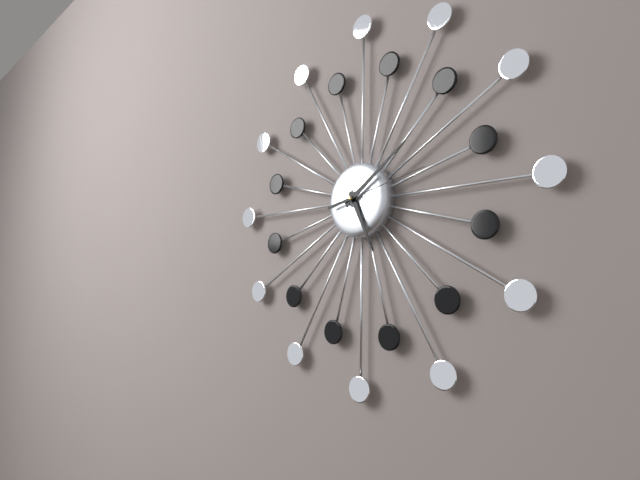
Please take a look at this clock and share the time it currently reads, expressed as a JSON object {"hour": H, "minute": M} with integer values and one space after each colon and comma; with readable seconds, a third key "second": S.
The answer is {"hour": 5, "minute": 9, "second": 13}
